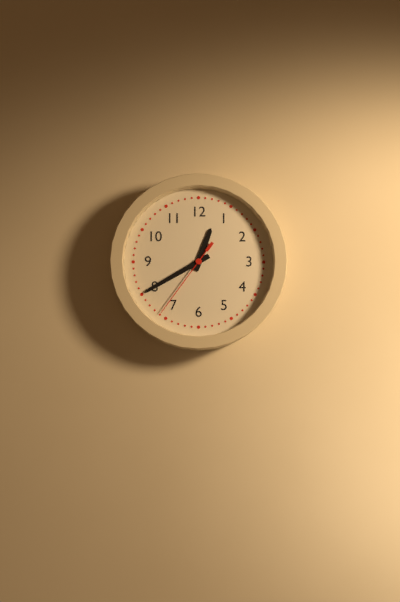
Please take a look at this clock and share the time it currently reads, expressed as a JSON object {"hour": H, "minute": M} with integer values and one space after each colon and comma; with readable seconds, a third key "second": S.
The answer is {"hour": 12, "minute": 40, "second": 36}
